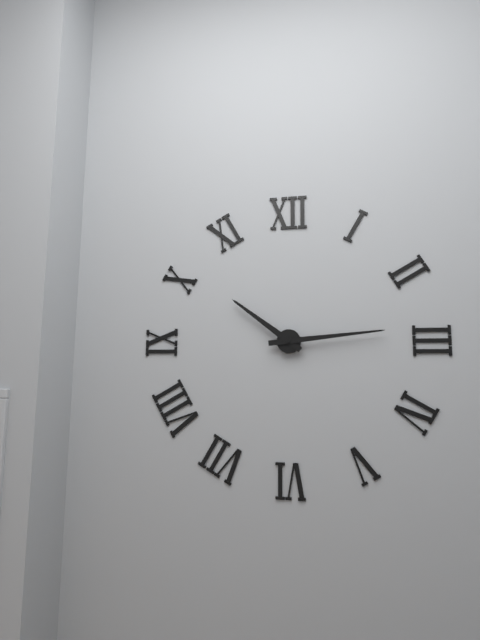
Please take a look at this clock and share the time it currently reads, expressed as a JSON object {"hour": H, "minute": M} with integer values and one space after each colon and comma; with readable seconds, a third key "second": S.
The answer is {"hour": 10, "minute": 14}
